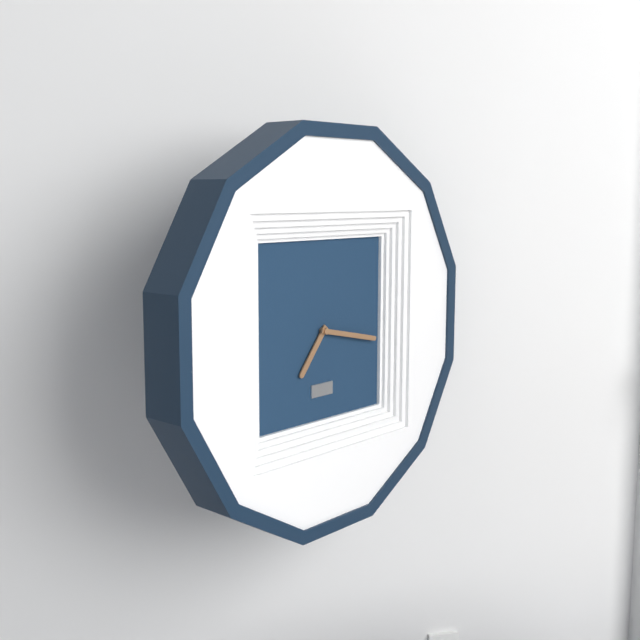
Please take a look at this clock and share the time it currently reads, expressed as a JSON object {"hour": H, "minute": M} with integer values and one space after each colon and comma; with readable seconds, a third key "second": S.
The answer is {"hour": 7, "minute": 17}
